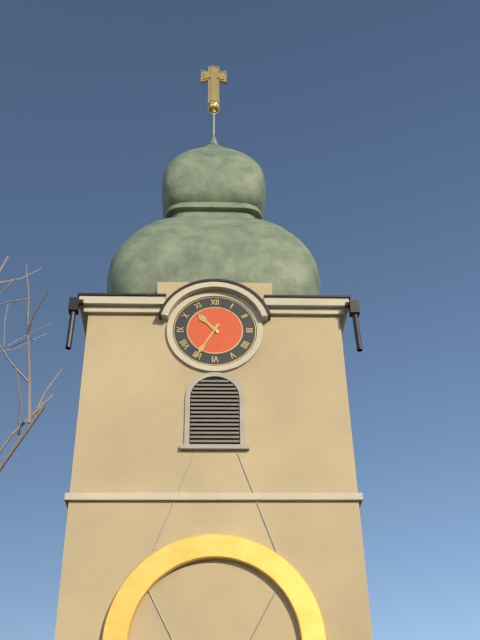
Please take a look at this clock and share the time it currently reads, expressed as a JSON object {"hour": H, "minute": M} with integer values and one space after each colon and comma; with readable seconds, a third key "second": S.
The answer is {"hour": 10, "minute": 35}
